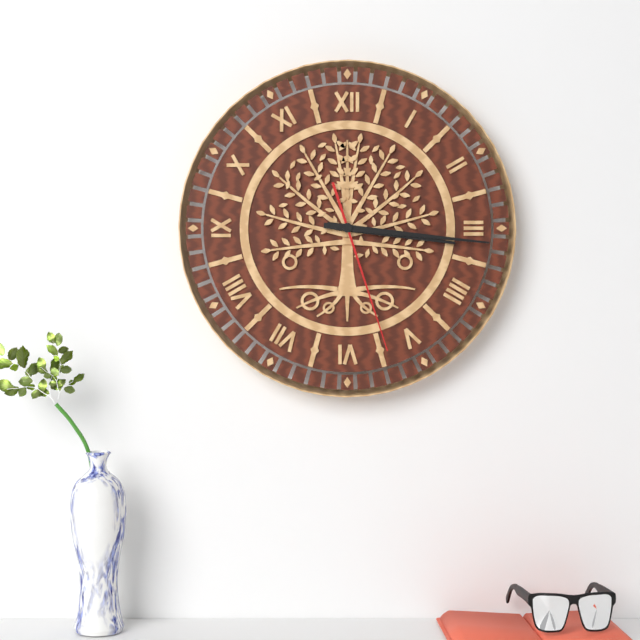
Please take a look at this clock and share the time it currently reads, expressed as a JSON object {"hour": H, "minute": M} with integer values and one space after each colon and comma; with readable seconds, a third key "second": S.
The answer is {"hour": 3, "minute": 16, "second": 27}
